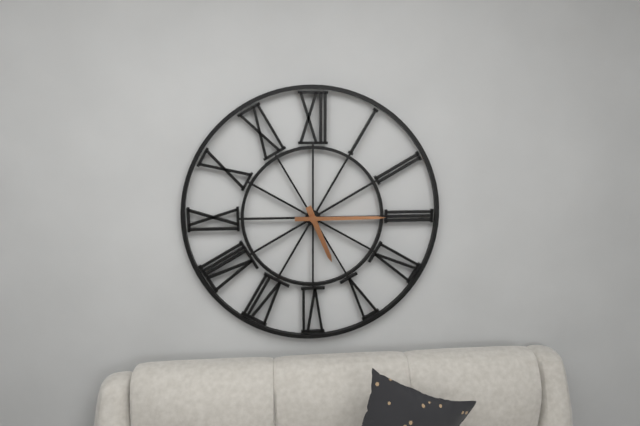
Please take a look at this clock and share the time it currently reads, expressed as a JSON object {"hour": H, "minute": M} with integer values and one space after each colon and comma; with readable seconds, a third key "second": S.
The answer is {"hour": 5, "minute": 15}
